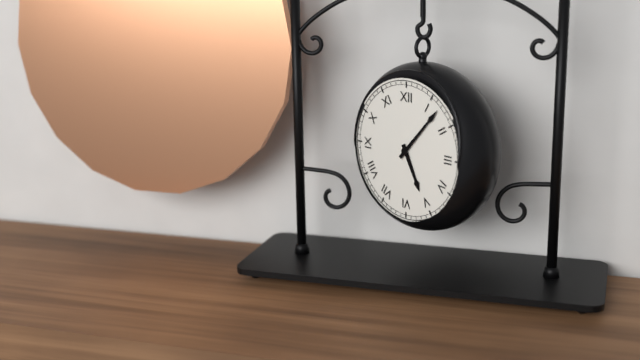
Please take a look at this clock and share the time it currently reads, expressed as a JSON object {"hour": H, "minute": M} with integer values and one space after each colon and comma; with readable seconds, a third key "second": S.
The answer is {"hour": 5, "minute": 7}
